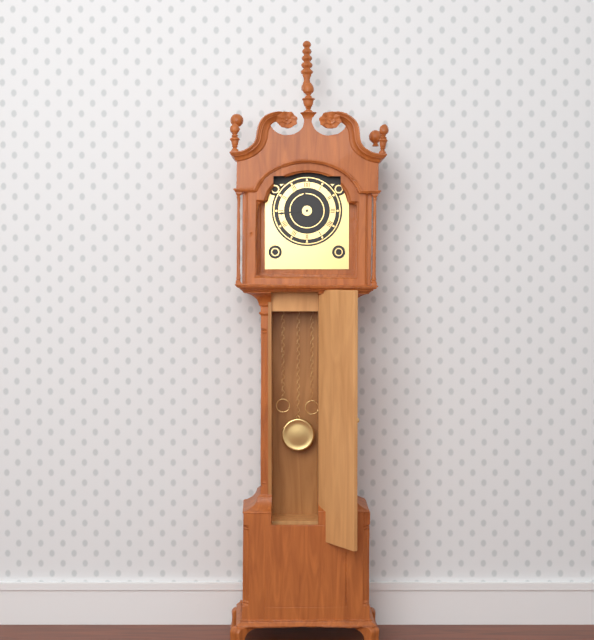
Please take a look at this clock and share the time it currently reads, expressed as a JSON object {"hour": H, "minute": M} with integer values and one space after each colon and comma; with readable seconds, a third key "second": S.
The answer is {"hour": 11, "minute": 44}
